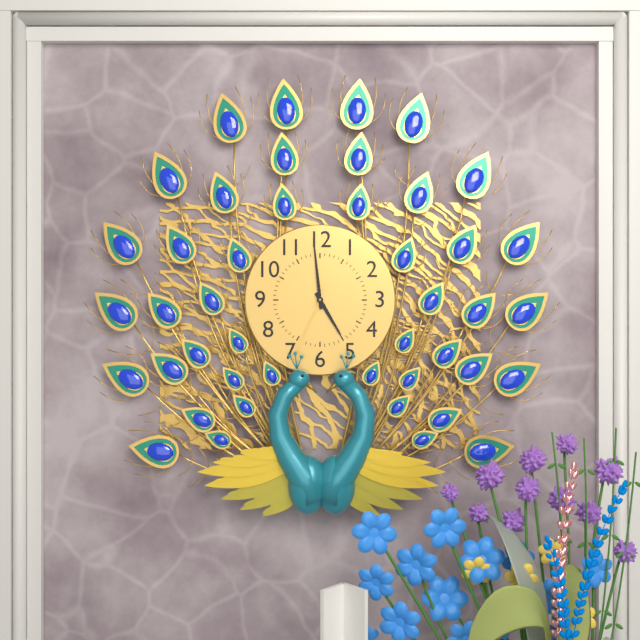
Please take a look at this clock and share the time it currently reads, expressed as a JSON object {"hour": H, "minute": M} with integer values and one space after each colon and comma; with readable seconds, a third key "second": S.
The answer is {"hour": 4, "minute": 59, "second": 34}
